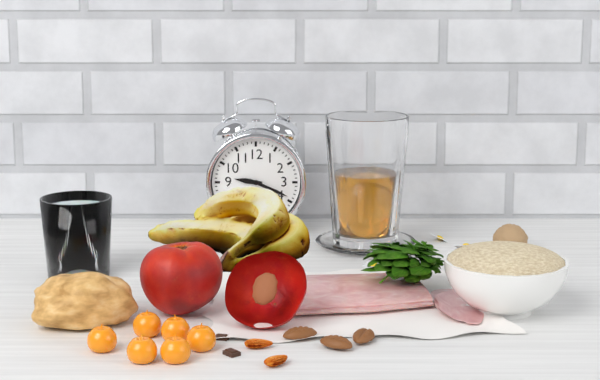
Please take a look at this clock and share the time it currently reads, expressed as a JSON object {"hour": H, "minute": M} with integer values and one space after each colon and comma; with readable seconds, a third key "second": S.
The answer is {"hour": 9, "minute": 19}
